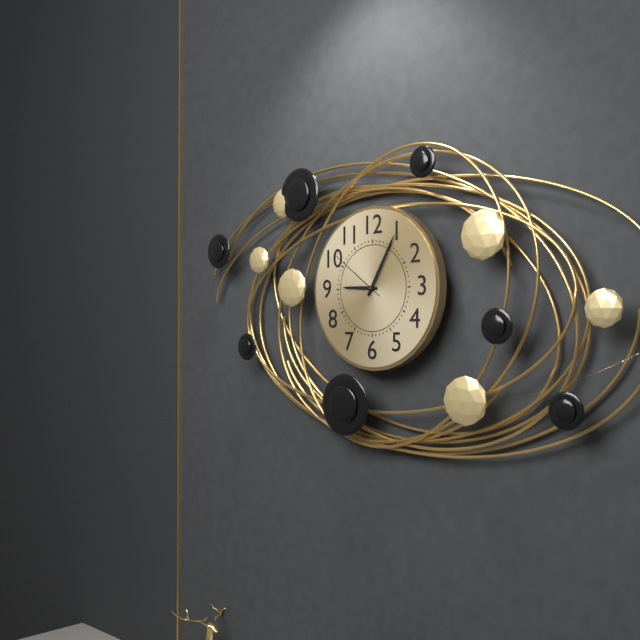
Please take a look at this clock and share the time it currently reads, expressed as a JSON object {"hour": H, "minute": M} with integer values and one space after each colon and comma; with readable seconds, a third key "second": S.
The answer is {"hour": 9, "minute": 5, "second": 51}
